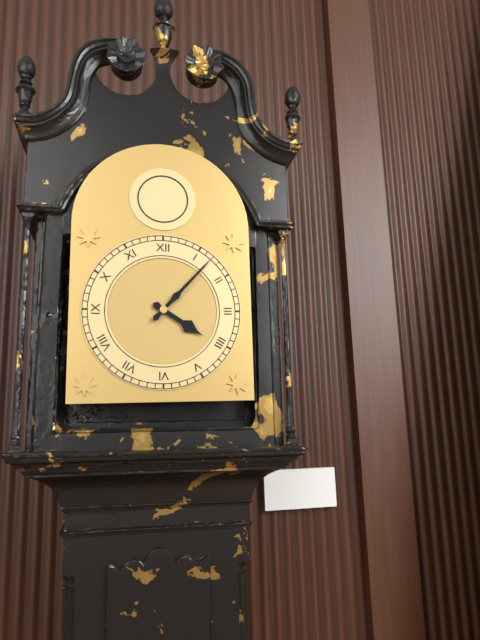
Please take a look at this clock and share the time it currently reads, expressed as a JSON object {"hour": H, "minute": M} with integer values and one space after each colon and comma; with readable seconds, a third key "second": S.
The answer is {"hour": 4, "minute": 7}
